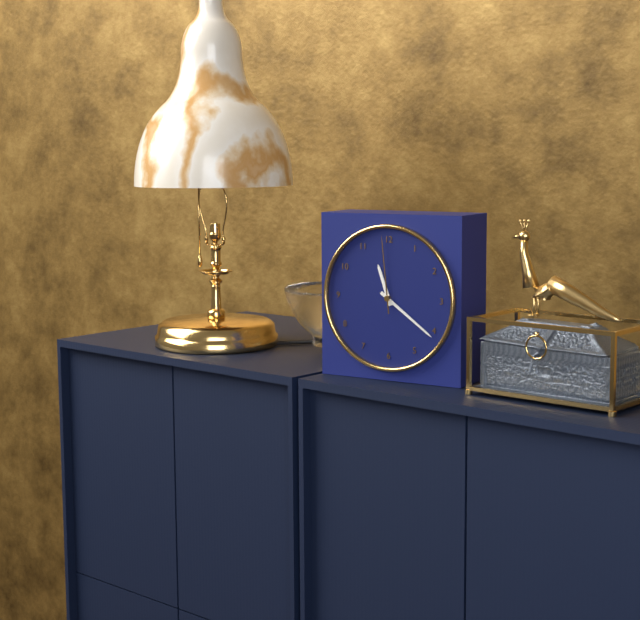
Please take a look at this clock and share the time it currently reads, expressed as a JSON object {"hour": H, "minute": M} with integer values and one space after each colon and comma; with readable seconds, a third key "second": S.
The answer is {"hour": 11, "minute": 21, "second": 59}
